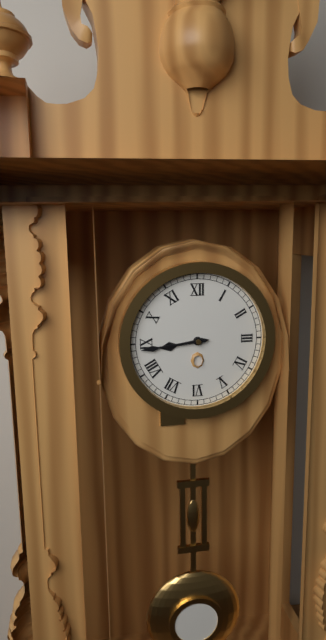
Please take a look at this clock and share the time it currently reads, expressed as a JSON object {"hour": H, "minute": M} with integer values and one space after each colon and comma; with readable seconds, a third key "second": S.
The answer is {"hour": 8, "minute": 44}
